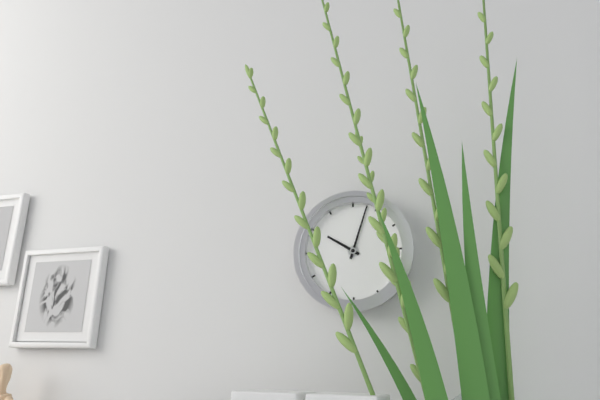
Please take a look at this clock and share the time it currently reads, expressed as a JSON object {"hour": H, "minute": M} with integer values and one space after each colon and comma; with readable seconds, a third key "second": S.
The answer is {"hour": 10, "minute": 3}
